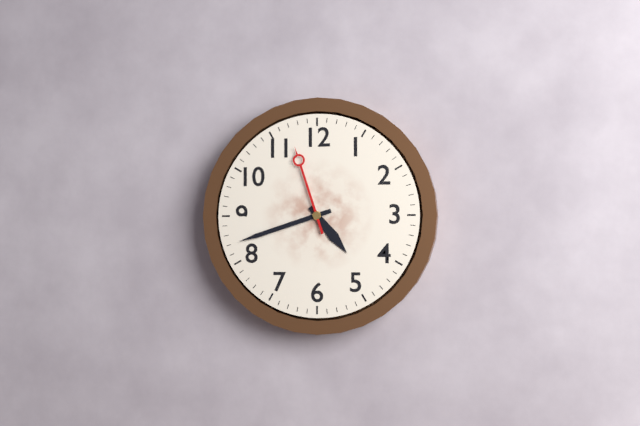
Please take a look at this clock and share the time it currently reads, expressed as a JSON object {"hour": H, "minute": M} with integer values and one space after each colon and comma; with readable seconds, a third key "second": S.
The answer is {"hour": 4, "minute": 42, "second": 57}
